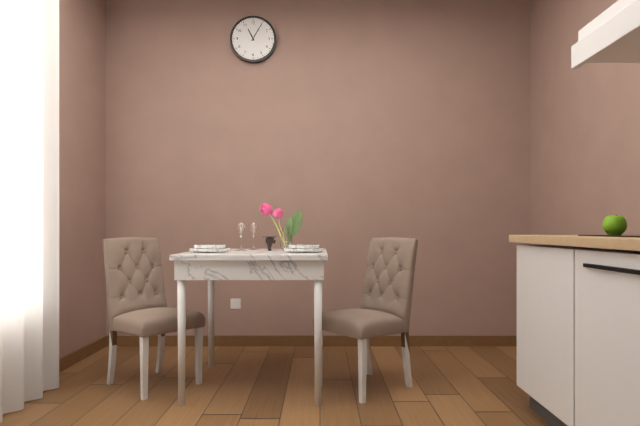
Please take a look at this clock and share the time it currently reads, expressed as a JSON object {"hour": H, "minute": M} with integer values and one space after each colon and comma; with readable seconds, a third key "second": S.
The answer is {"hour": 11, "minute": 5}
